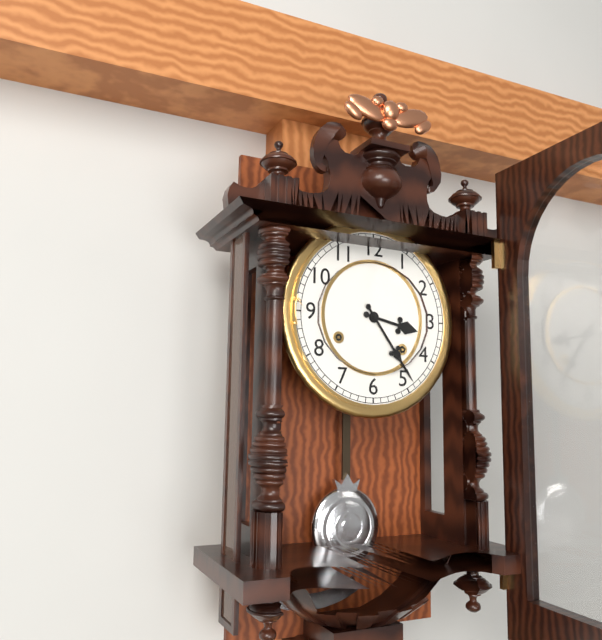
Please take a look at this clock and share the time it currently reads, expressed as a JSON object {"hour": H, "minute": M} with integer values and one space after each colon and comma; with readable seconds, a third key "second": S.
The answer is {"hour": 3, "minute": 24}
